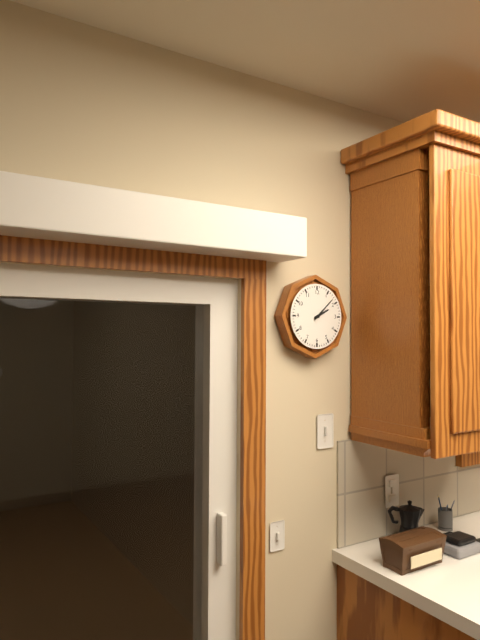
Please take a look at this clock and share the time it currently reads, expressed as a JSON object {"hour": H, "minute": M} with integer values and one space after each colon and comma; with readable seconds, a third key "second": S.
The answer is {"hour": 2, "minute": 8}
